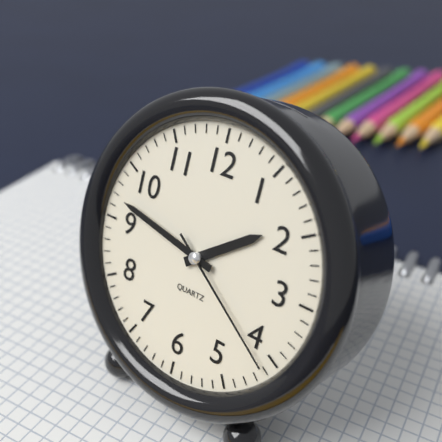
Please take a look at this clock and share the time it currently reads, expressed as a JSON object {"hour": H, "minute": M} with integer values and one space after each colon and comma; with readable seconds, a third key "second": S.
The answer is {"hour": 1, "minute": 47, "second": 21}
